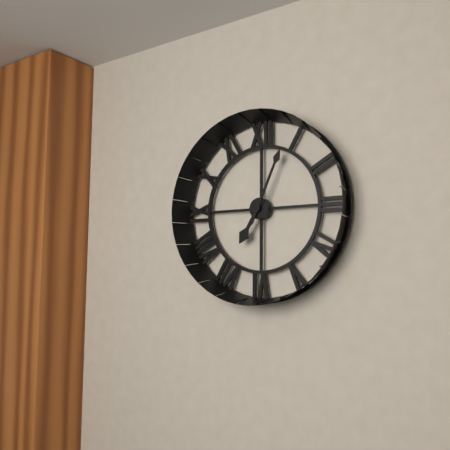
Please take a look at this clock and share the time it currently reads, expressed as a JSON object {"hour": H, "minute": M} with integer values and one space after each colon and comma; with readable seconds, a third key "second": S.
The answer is {"hour": 7, "minute": 4}
